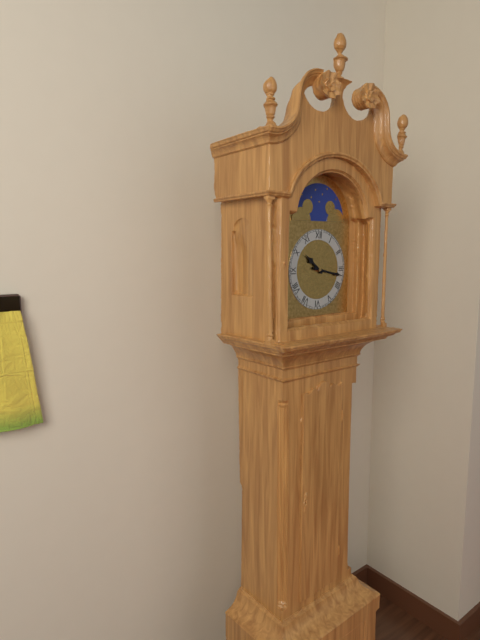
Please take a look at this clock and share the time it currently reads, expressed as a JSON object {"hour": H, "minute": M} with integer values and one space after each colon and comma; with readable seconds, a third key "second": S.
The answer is {"hour": 10, "minute": 17}
